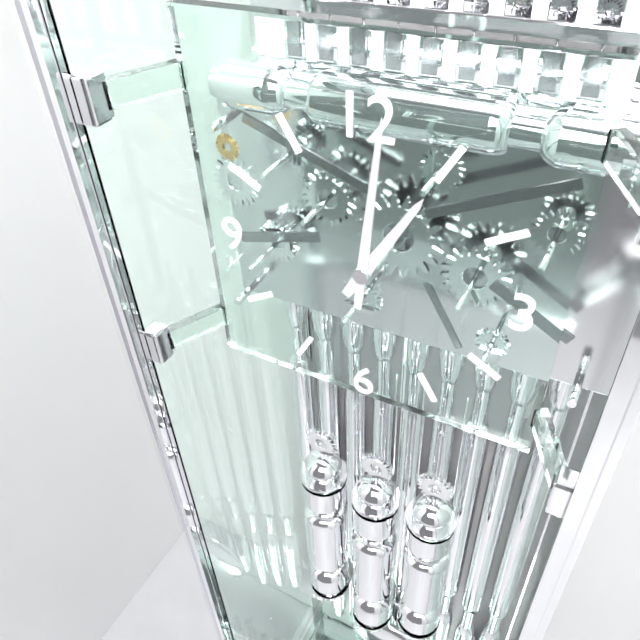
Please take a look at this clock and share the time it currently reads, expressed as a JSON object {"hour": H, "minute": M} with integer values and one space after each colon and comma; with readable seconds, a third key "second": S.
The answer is {"hour": 1, "minute": 1}
